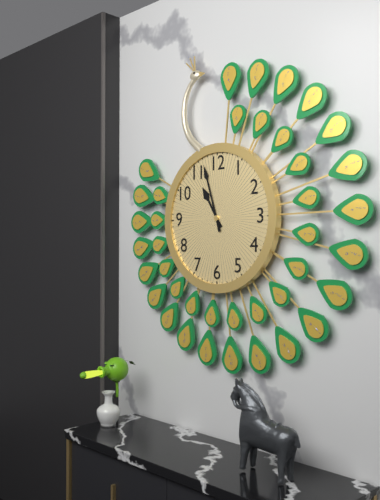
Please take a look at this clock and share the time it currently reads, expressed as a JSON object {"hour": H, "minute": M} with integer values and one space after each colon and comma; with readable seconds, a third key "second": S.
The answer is {"hour": 10, "minute": 57}
